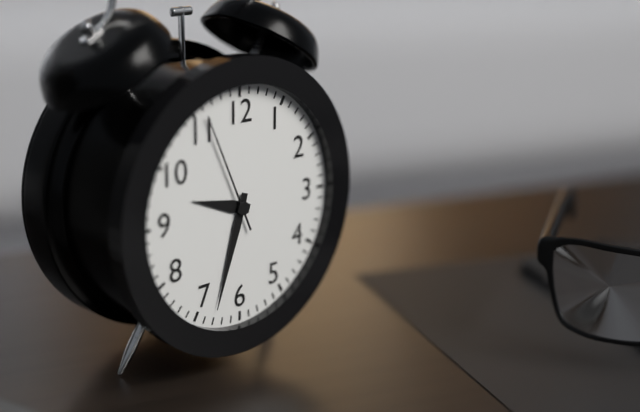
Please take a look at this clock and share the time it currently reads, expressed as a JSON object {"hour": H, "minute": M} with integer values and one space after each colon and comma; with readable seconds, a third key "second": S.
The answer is {"hour": 9, "minute": 33, "second": 56}
